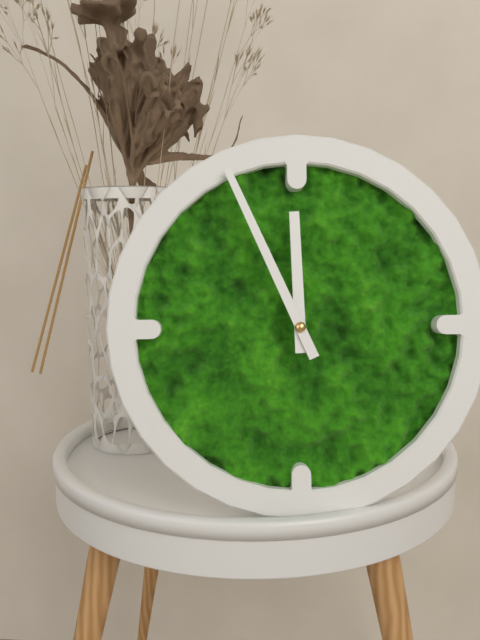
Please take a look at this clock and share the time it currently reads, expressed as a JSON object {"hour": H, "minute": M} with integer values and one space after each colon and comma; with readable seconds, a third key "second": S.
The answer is {"hour": 11, "minute": 56}
